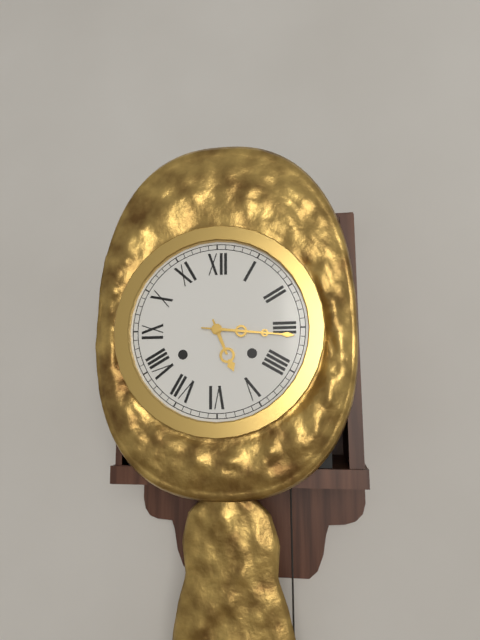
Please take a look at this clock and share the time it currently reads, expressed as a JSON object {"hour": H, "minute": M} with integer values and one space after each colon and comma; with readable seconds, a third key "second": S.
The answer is {"hour": 5, "minute": 16}
